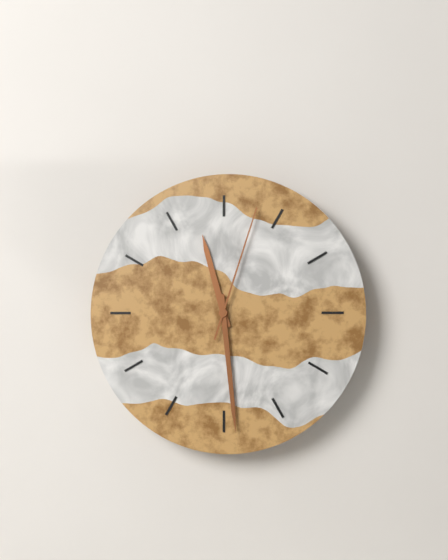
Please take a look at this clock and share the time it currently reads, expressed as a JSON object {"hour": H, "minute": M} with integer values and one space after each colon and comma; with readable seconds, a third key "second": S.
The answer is {"hour": 11, "minute": 29, "second": 3}
